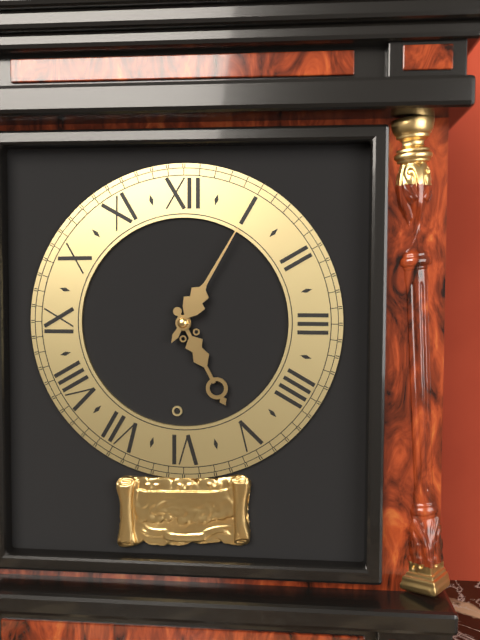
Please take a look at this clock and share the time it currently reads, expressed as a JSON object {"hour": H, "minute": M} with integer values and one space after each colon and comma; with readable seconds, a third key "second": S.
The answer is {"hour": 5, "minute": 5}
